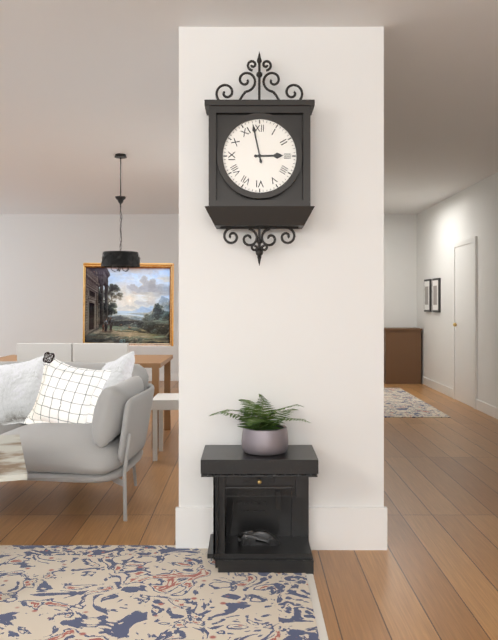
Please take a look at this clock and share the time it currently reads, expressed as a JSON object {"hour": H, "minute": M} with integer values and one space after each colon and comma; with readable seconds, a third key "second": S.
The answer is {"hour": 2, "minute": 58}
